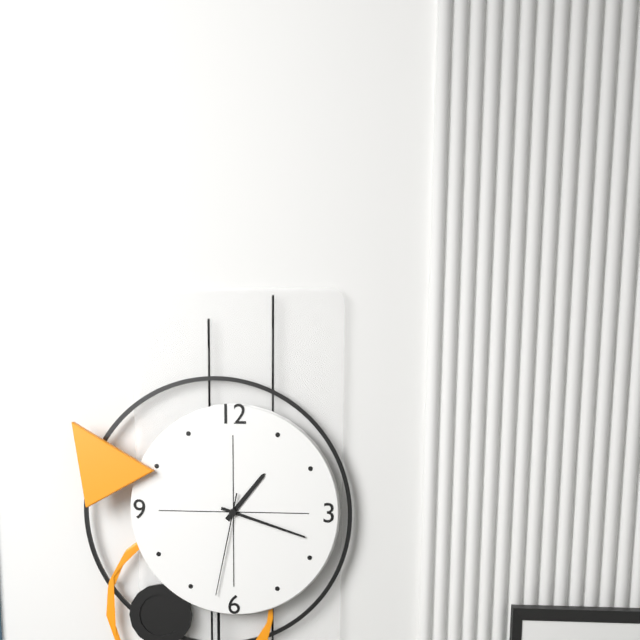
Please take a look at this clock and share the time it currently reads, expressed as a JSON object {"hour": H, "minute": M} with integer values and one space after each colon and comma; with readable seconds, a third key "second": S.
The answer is {"hour": 1, "minute": 18, "second": 32}
